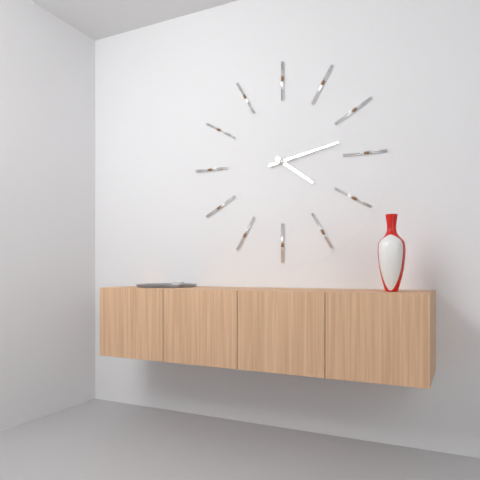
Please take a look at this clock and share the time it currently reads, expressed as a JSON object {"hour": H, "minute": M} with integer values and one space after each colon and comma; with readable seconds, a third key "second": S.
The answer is {"hour": 4, "minute": 13}
